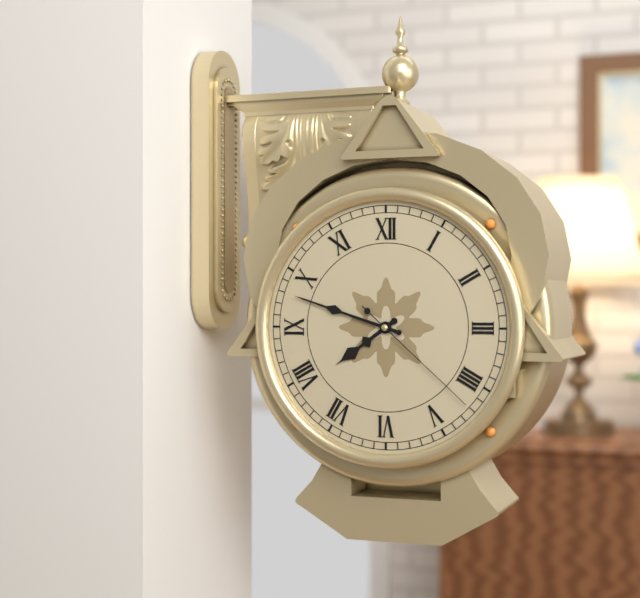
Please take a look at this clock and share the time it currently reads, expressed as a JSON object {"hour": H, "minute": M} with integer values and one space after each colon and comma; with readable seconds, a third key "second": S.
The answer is {"hour": 7, "minute": 48, "second": 22}
